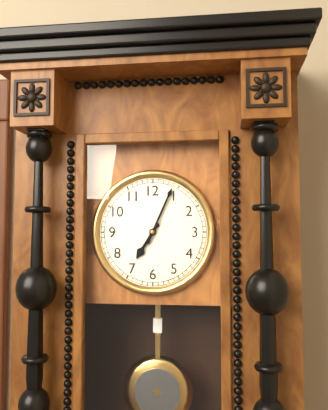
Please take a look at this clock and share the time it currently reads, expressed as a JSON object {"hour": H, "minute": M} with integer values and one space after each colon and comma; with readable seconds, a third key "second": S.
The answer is {"hour": 7, "minute": 4}
